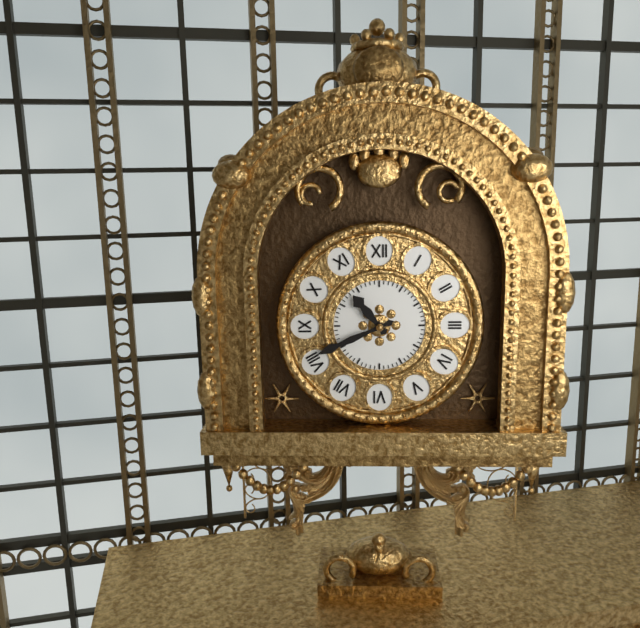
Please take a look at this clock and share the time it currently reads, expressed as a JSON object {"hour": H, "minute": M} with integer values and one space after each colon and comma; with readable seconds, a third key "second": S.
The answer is {"hour": 10, "minute": 41}
